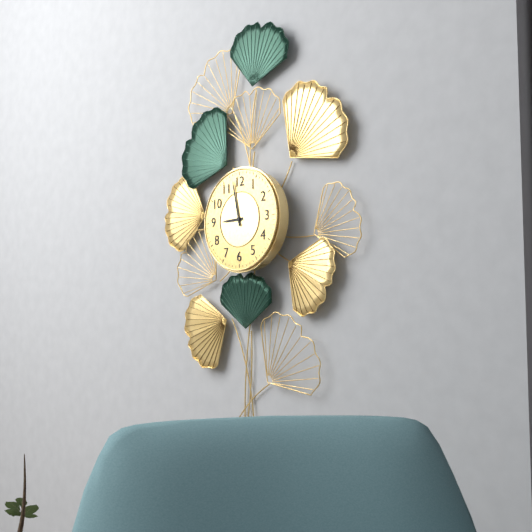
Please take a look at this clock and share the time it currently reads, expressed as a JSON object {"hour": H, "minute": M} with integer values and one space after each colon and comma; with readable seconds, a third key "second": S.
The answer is {"hour": 8, "minute": 58}
